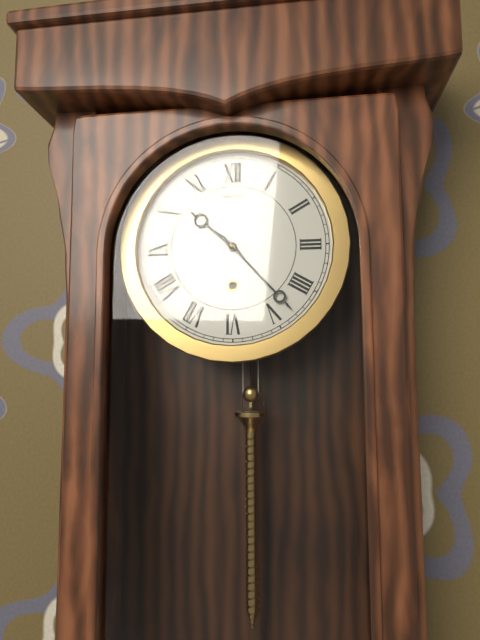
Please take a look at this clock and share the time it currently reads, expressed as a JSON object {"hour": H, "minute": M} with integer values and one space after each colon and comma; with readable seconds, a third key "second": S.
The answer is {"hour": 10, "minute": 23}
